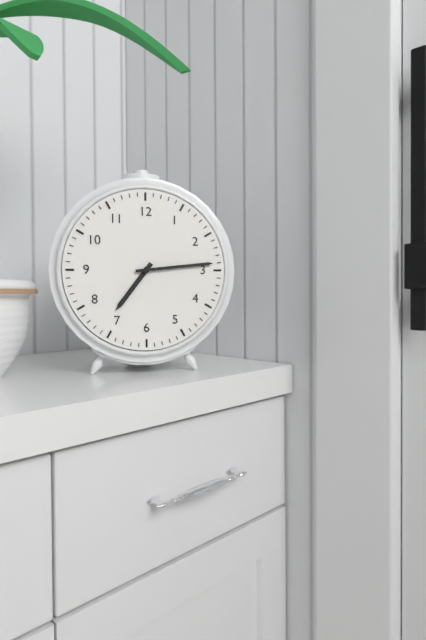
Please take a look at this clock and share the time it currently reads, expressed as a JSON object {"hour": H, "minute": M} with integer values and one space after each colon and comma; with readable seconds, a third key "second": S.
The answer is {"hour": 7, "minute": 14}
